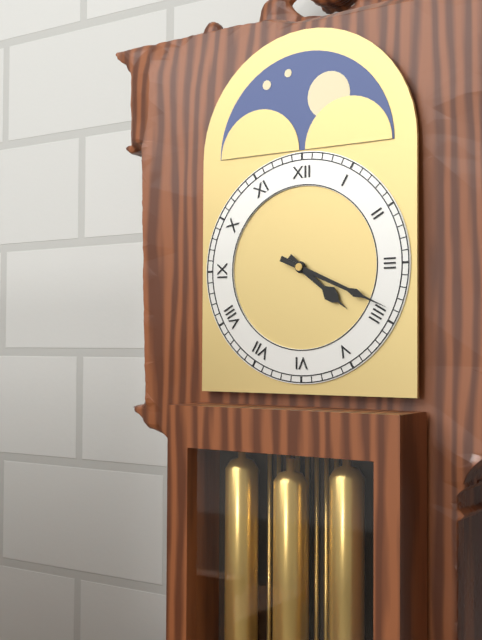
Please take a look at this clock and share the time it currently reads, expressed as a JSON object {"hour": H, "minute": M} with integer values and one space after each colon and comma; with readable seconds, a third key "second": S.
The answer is {"hour": 4, "minute": 19}
